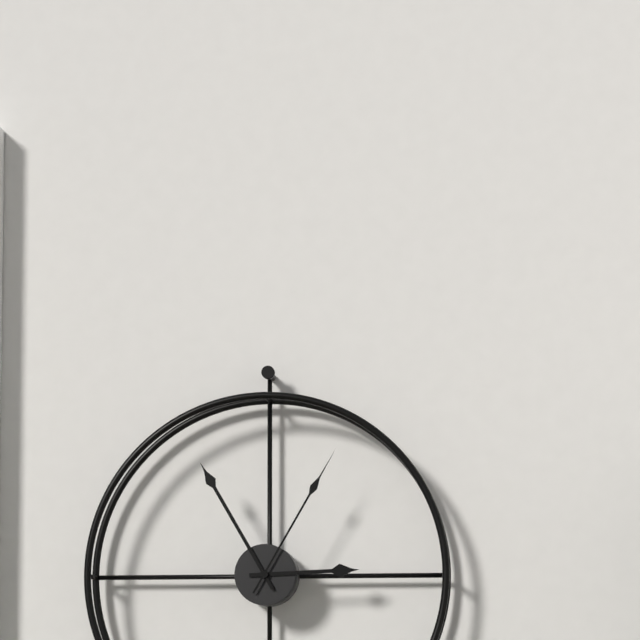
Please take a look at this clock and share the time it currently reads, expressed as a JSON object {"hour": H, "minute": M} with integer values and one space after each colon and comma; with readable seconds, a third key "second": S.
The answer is {"hour": 2, "minute": 55, "second": 5}
